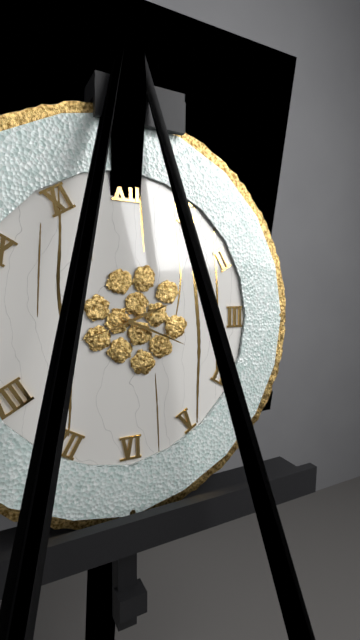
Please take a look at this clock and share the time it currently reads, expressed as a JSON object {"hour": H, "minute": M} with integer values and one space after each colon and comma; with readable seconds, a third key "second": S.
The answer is {"hour": 2, "minute": 19, "second": 42}
